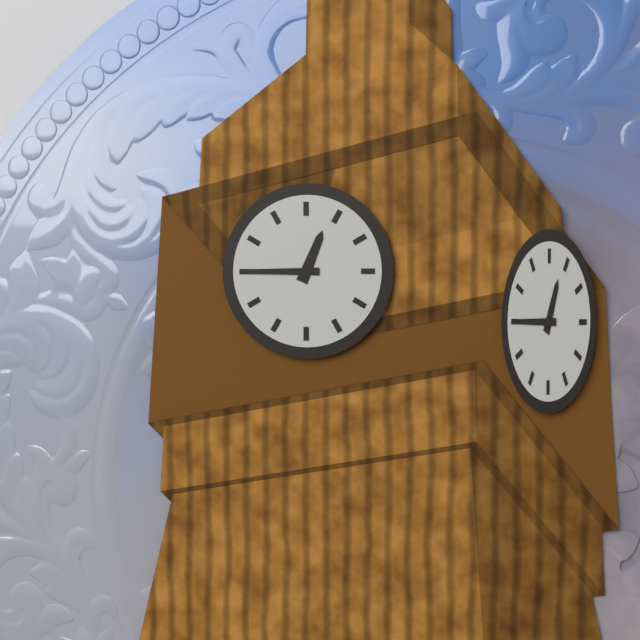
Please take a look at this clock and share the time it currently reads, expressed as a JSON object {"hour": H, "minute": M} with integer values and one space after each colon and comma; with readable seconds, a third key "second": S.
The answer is {"hour": 12, "minute": 45}
